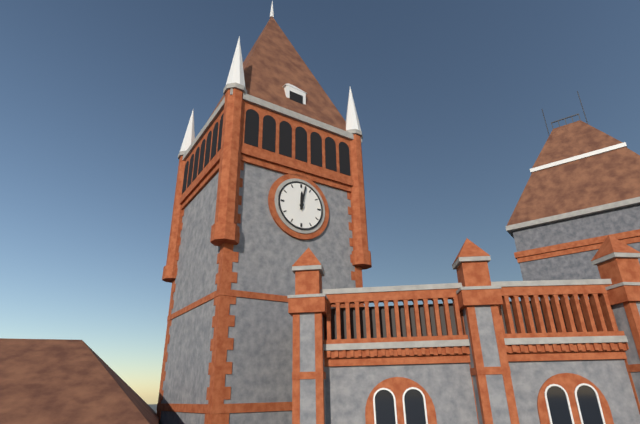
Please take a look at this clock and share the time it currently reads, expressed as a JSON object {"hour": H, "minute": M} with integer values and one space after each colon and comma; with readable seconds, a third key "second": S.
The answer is {"hour": 12, "minute": 2}
